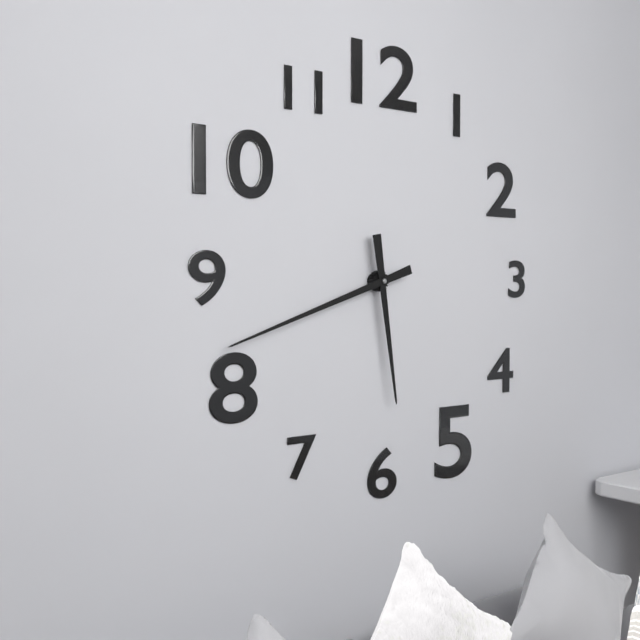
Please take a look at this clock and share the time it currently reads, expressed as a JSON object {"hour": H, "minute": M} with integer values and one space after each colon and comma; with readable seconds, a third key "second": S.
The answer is {"hour": 5, "minute": 42}
